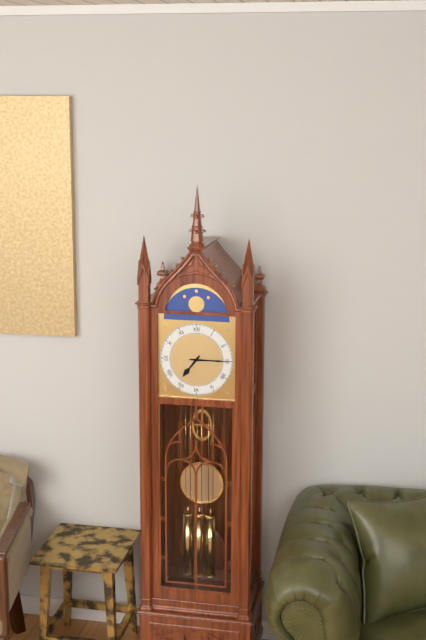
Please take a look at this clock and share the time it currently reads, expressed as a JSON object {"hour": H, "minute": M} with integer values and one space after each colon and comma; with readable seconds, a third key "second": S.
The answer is {"hour": 7, "minute": 15}
